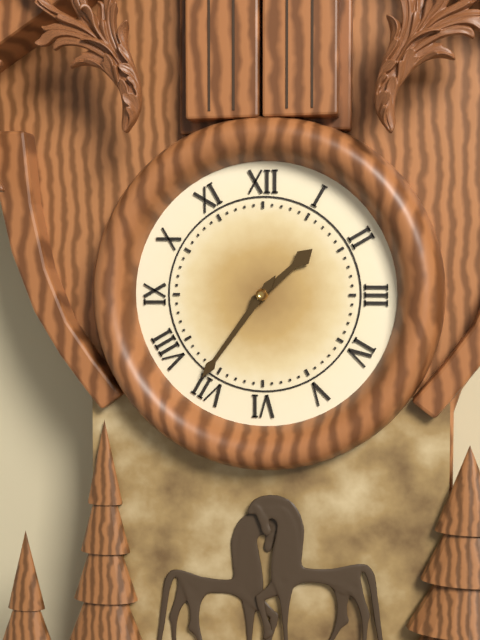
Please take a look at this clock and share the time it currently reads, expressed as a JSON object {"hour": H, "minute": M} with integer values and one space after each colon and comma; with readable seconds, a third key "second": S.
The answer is {"hour": 1, "minute": 36}
